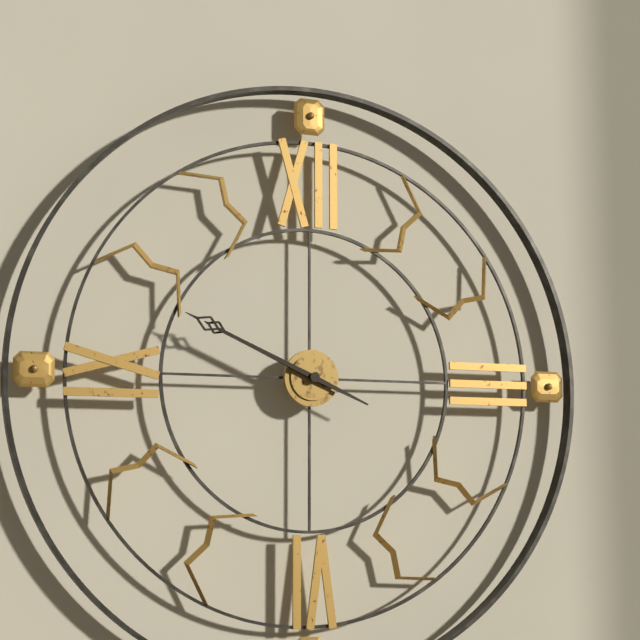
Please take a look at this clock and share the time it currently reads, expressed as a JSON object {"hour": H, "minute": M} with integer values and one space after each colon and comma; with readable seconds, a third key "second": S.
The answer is {"hour": 9, "minute": 49}
